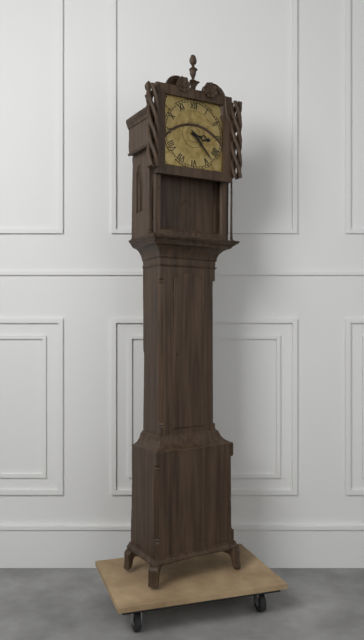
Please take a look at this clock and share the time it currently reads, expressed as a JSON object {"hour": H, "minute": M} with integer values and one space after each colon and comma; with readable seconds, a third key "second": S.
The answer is {"hour": 3, "minute": 23}
